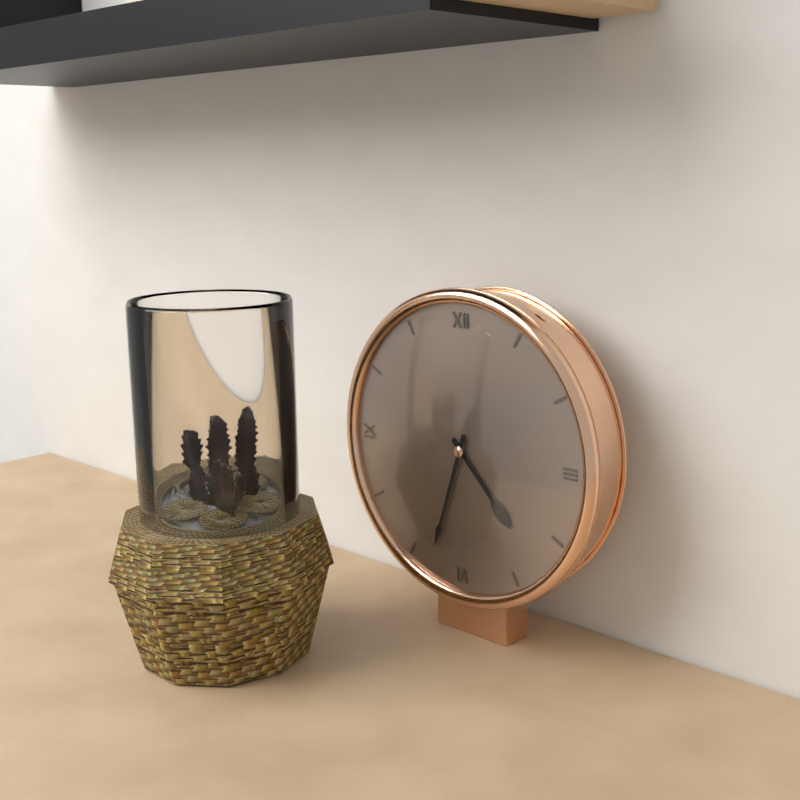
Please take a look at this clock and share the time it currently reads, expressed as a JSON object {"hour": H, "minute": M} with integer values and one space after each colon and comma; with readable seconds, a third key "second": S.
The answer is {"hour": 4, "minute": 33}
